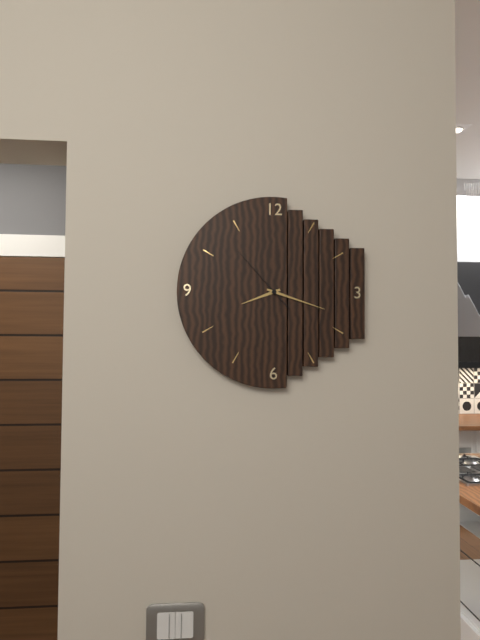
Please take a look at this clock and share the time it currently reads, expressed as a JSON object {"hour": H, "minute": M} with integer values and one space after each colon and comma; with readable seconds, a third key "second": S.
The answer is {"hour": 8, "minute": 18, "second": 53}
